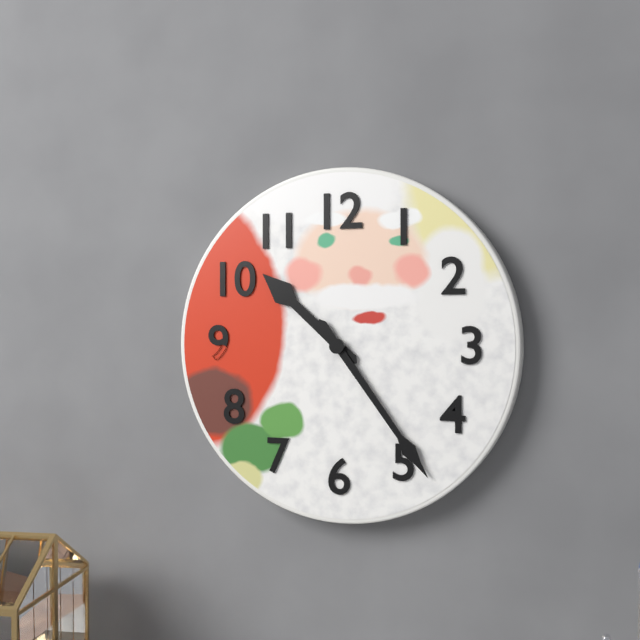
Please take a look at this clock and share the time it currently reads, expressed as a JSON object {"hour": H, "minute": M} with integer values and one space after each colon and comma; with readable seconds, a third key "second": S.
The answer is {"hour": 10, "minute": 24}
